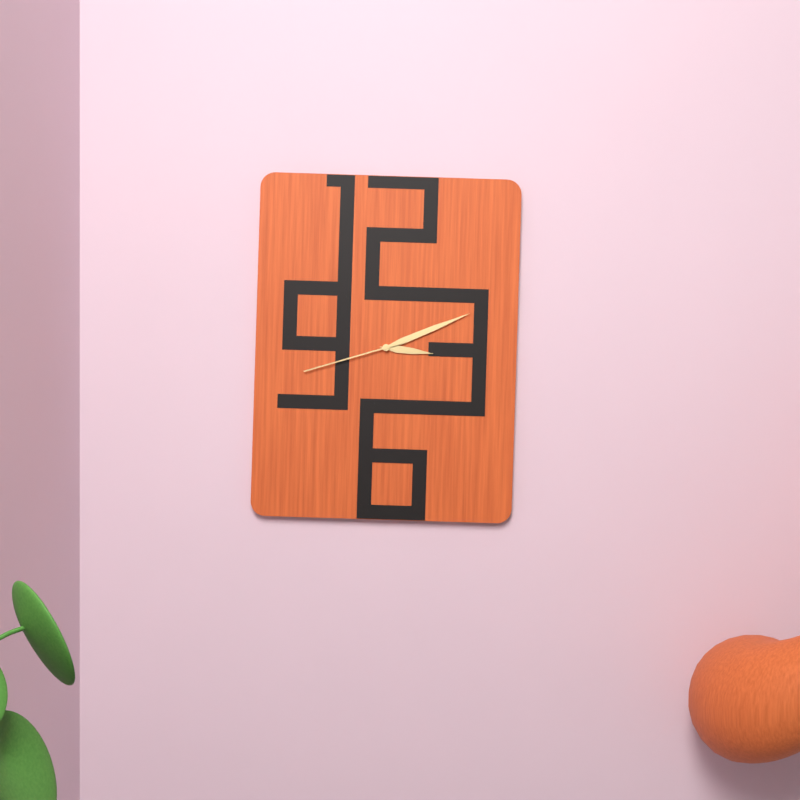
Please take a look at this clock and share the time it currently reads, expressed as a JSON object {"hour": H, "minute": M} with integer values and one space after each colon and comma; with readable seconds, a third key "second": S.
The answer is {"hour": 3, "minute": 11, "second": 42}
